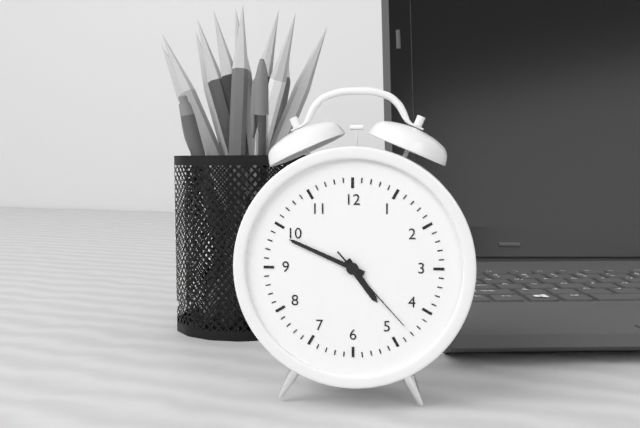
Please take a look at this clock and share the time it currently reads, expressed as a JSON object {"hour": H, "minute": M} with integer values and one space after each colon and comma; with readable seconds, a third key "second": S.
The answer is {"hour": 4, "minute": 49, "second": 23}
